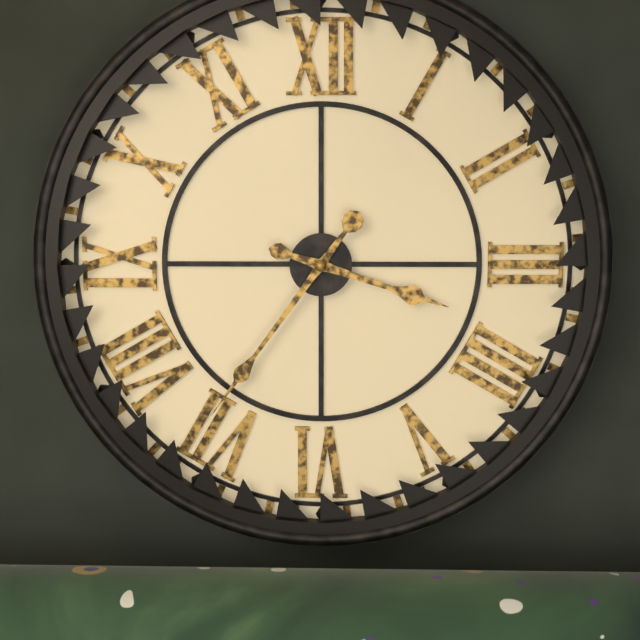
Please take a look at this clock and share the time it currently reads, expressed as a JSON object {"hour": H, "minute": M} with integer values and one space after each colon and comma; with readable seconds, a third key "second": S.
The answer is {"hour": 3, "minute": 36}
